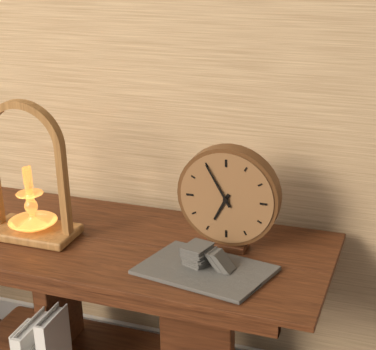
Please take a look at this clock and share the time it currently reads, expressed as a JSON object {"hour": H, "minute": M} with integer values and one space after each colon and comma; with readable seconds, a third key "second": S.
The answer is {"hour": 6, "minute": 55}
